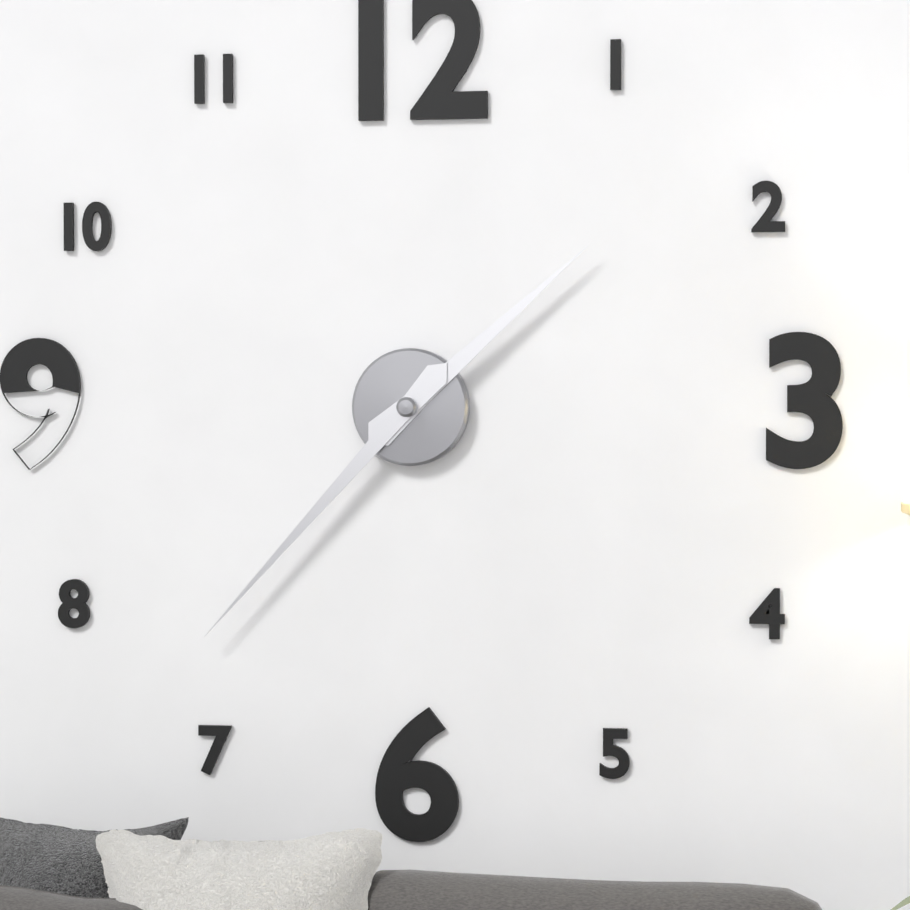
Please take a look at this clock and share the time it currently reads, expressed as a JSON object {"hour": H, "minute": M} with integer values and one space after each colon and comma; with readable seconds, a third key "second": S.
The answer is {"hour": 1, "minute": 37}
